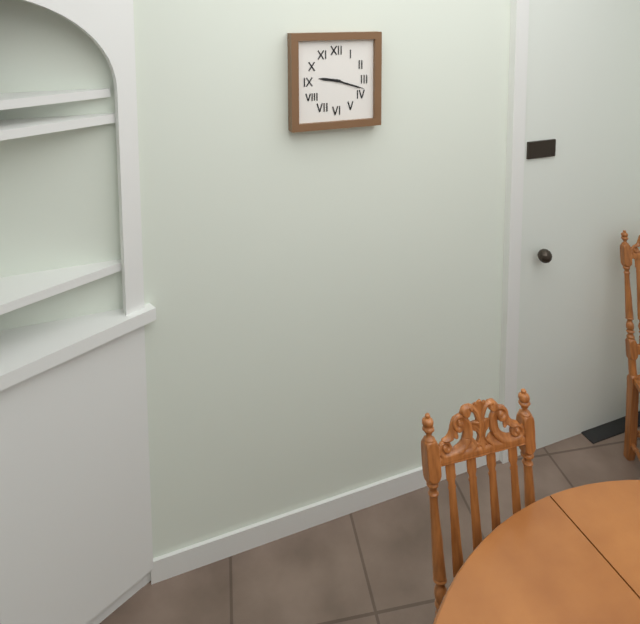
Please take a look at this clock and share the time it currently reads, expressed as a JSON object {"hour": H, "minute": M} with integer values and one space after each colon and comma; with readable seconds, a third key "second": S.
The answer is {"hour": 9, "minute": 18}
